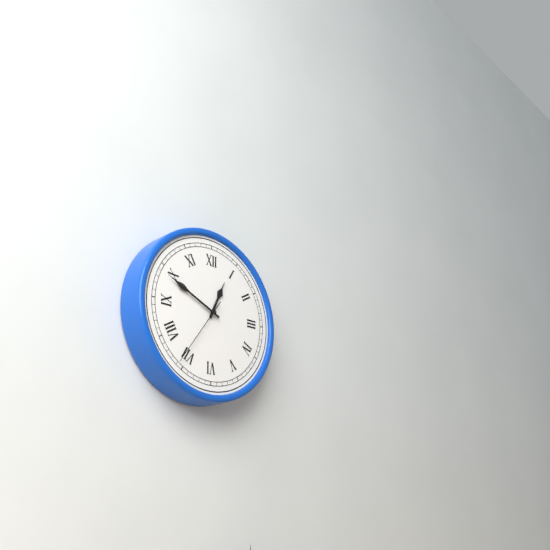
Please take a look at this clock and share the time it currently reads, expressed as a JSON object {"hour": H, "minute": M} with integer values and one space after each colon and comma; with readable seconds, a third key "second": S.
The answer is {"hour": 12, "minute": 49, "second": 36}
